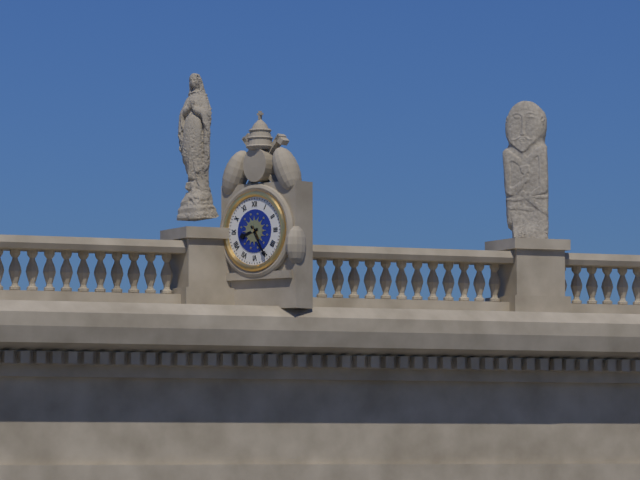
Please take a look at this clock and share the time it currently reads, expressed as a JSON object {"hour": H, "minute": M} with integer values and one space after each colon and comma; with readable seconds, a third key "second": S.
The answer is {"hour": 8, "minute": 25}
